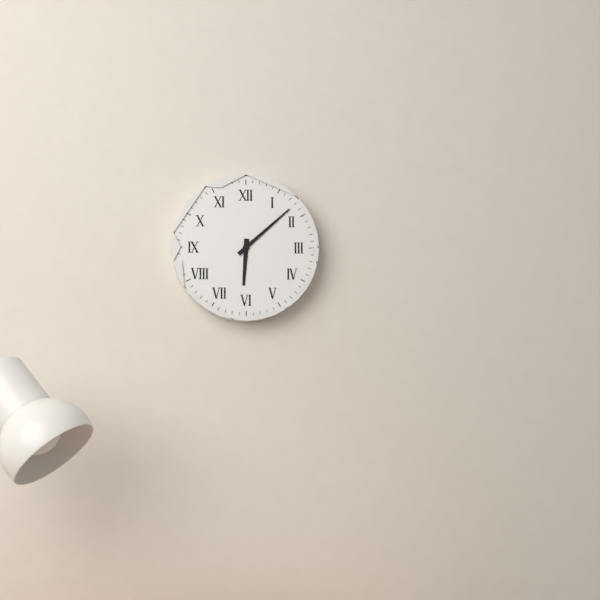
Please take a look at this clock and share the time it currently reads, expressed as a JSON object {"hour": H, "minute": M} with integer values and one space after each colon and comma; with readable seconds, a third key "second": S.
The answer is {"hour": 6, "minute": 8}
